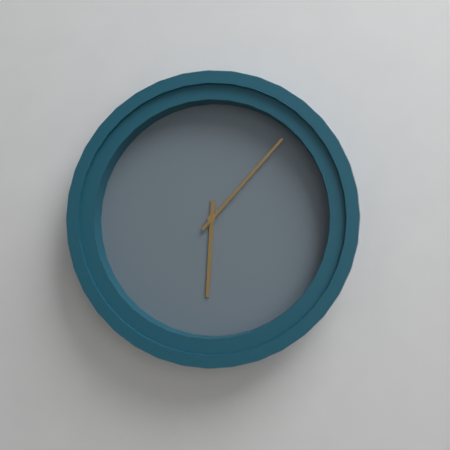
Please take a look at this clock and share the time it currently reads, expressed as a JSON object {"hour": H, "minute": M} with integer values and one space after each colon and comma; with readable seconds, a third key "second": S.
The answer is {"hour": 6, "minute": 7}
